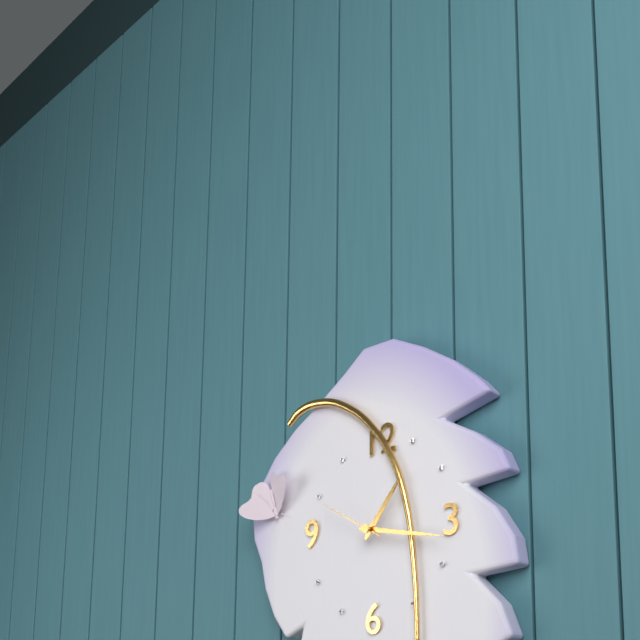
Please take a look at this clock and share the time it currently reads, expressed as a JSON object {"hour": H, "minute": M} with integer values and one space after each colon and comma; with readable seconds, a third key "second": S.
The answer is {"hour": 1, "minute": 17, "second": 50}
